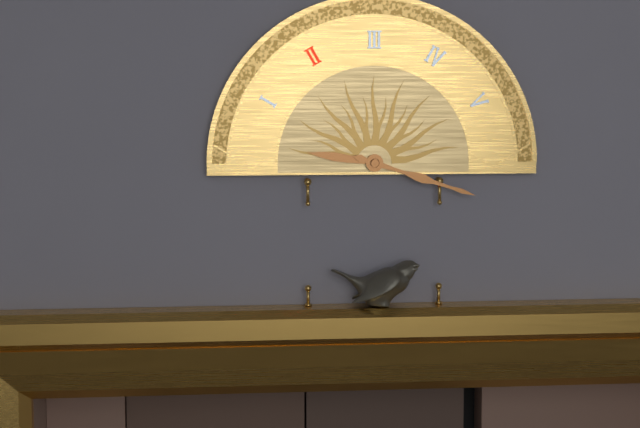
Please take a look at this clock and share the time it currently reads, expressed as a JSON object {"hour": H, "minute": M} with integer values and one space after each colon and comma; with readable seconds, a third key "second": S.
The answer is {"hour": 9, "minute": 18}
